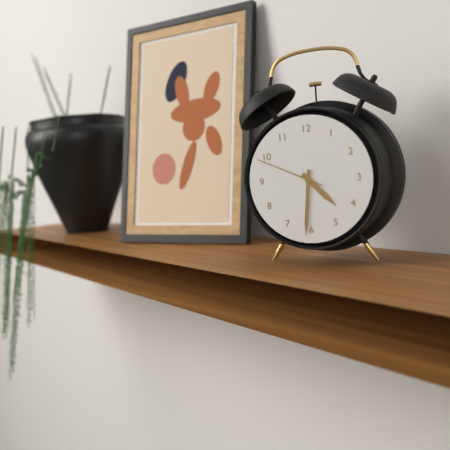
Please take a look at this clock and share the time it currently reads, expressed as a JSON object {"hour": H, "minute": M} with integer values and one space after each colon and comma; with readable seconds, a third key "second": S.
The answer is {"hour": 4, "minute": 31, "second": 49}
